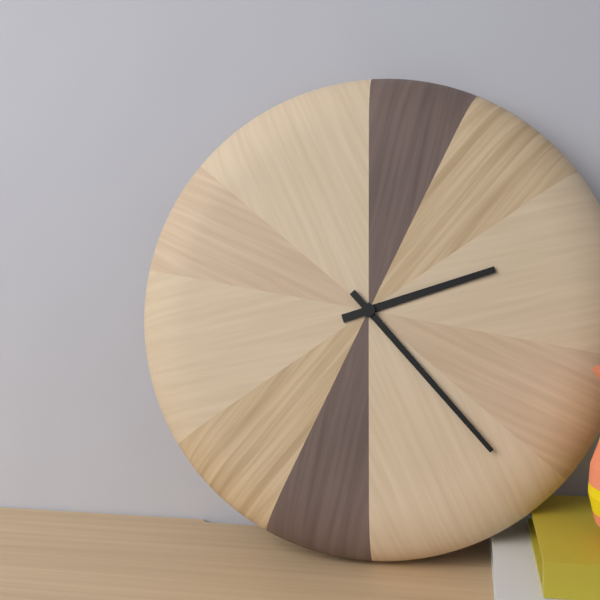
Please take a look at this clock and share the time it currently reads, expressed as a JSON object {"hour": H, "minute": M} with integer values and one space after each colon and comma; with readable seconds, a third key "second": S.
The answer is {"hour": 2, "minute": 23}
